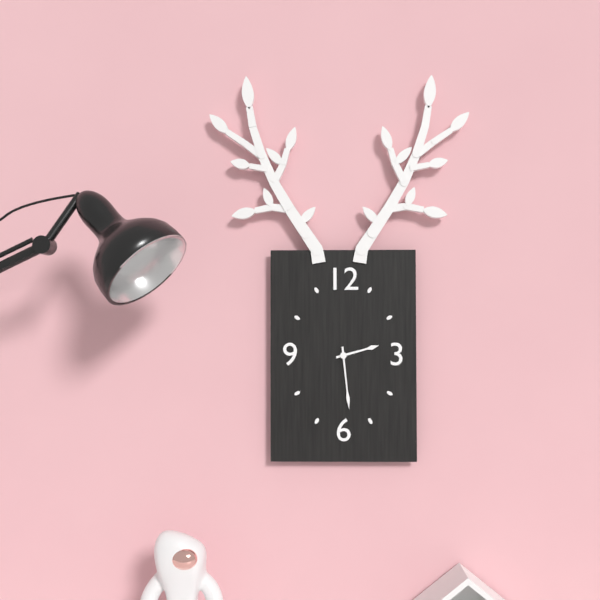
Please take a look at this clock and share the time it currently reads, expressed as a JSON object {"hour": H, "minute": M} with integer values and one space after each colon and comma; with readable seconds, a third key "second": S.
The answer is {"hour": 2, "minute": 29}
